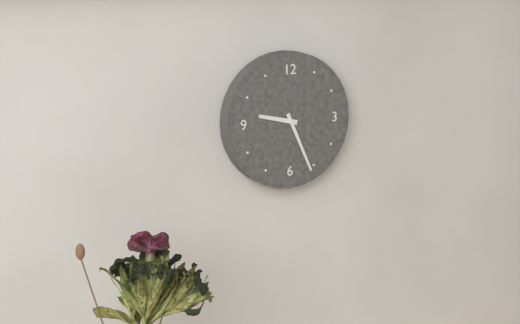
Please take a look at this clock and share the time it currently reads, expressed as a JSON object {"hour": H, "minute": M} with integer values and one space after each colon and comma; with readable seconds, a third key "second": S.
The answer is {"hour": 9, "minute": 26}
